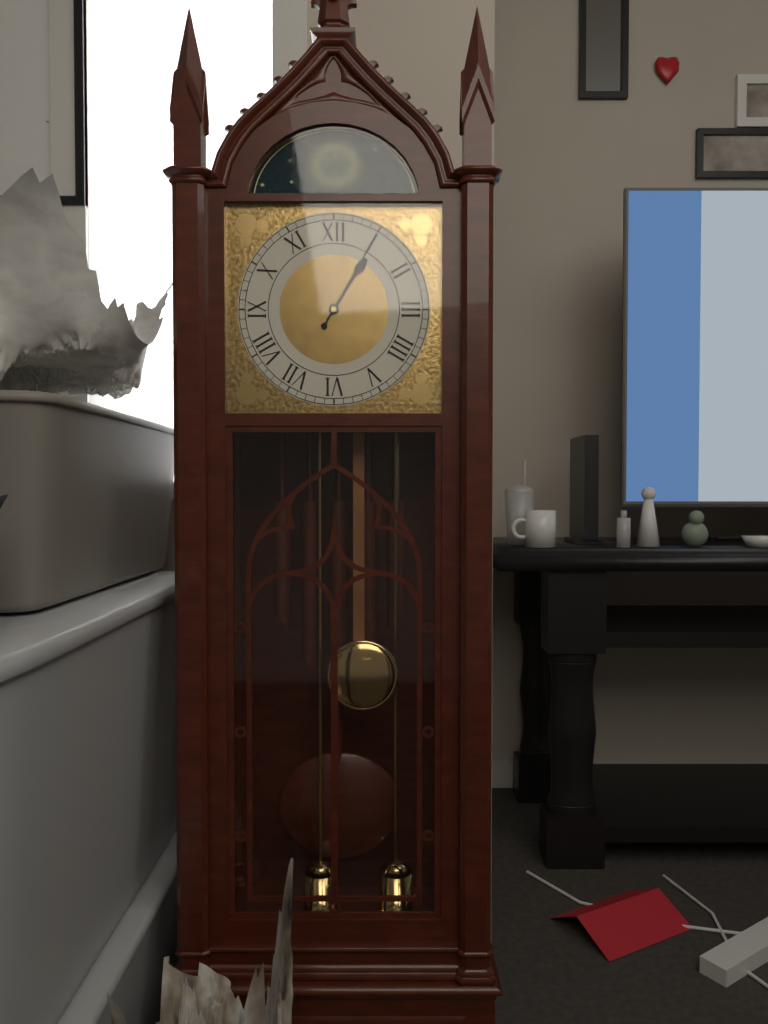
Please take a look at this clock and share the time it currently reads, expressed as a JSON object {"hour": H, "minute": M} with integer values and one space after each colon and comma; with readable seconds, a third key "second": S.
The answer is {"hour": 1, "minute": 5}
